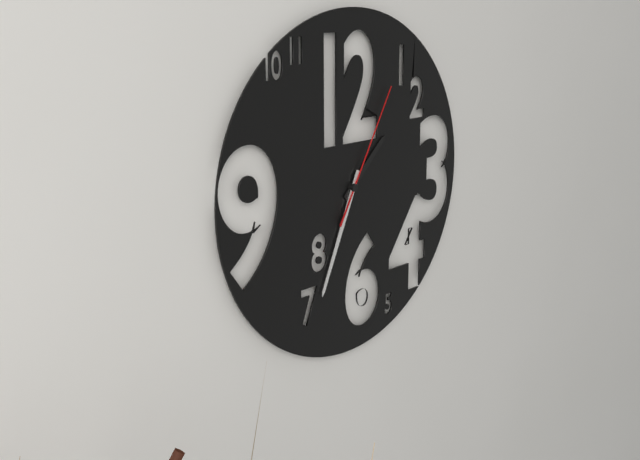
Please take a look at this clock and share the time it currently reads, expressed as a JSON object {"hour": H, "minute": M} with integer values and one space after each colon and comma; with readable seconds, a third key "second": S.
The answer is {"hour": 1, "minute": 34, "second": 5}
